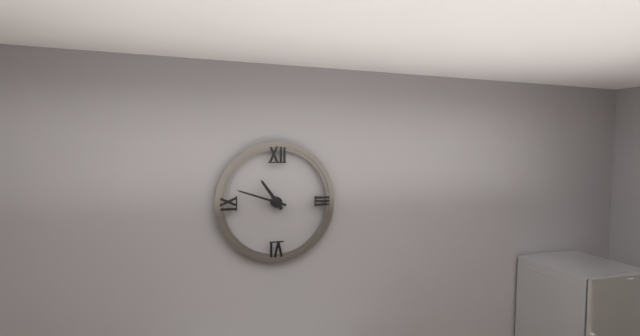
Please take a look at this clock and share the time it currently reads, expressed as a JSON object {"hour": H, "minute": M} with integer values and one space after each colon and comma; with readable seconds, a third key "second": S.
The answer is {"hour": 10, "minute": 48}
